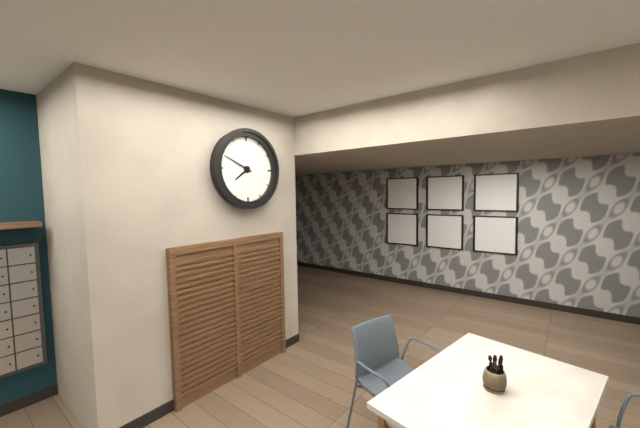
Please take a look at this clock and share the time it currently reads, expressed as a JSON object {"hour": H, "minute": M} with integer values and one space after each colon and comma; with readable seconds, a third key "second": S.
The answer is {"hour": 7, "minute": 49}
